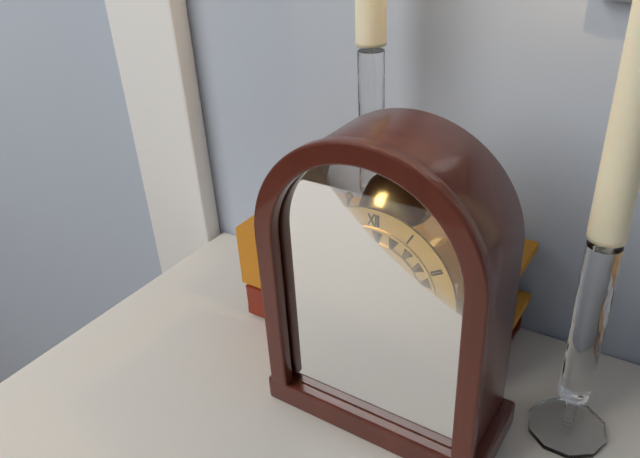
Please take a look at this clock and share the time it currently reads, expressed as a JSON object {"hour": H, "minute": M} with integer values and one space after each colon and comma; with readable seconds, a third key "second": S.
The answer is {"hour": 9, "minute": 43}
